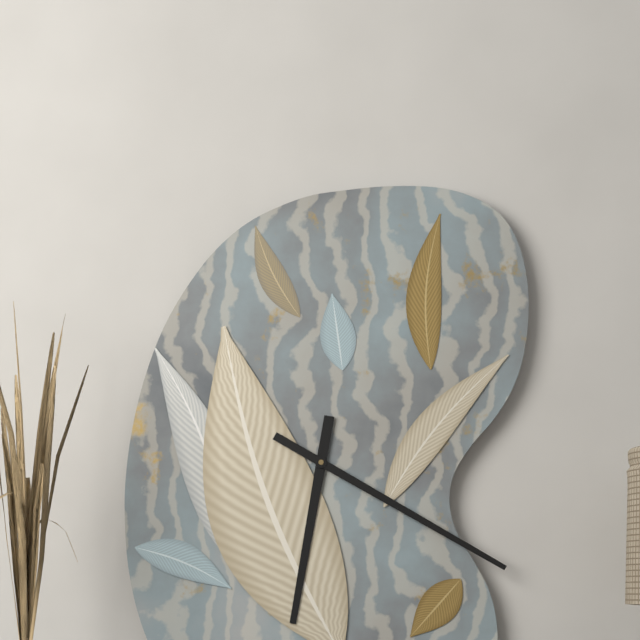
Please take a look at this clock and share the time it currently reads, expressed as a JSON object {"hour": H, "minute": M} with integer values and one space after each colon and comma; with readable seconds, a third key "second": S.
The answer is {"hour": 6, "minute": 20}
